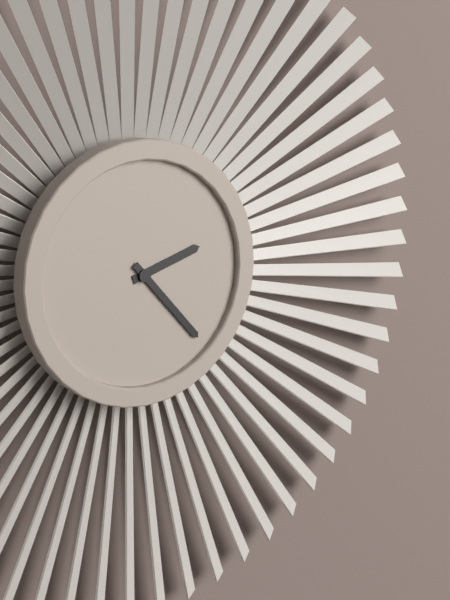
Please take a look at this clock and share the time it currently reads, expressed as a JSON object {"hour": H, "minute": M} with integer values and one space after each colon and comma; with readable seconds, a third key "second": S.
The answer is {"hour": 2, "minute": 23}
